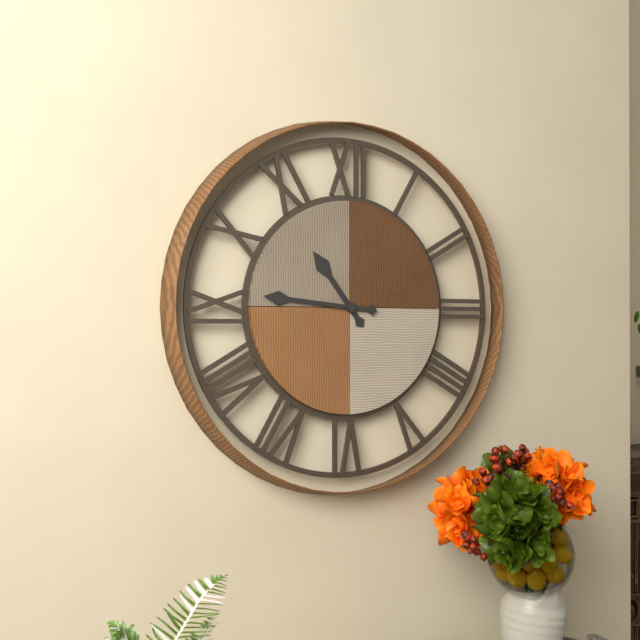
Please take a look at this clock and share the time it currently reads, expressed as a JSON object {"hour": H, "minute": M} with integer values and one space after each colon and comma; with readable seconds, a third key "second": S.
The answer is {"hour": 10, "minute": 46}
